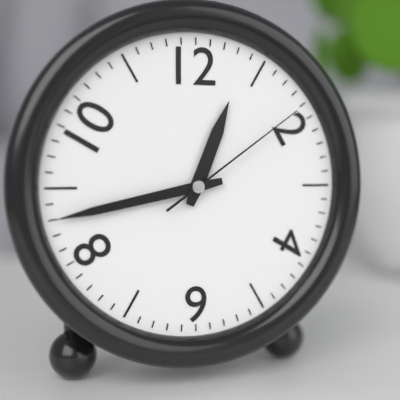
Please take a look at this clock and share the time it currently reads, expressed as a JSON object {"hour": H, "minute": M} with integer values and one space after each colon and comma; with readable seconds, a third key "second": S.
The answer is {"hour": 12, "minute": 43, "second": 9}
